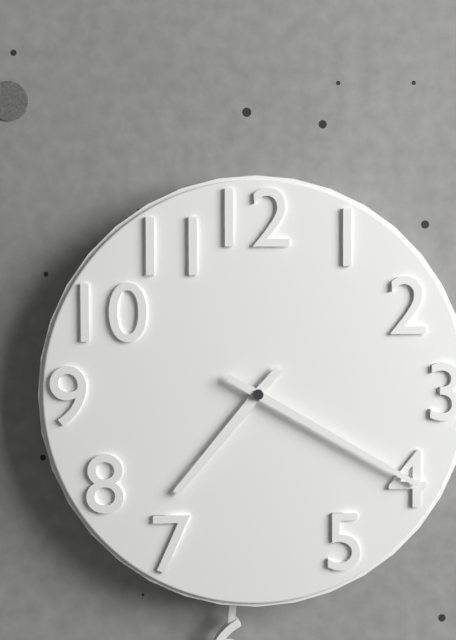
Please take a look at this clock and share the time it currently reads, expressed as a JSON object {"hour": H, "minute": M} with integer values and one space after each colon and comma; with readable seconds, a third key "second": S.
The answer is {"hour": 7, "minute": 20}
